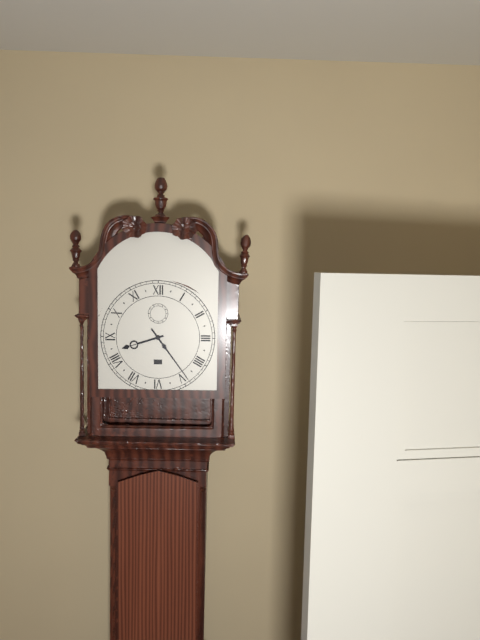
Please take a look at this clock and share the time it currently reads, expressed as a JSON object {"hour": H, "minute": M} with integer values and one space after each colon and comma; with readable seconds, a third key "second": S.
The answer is {"hour": 8, "minute": 24}
